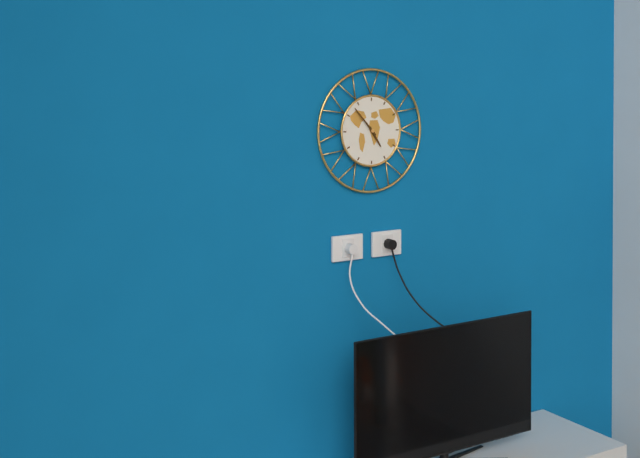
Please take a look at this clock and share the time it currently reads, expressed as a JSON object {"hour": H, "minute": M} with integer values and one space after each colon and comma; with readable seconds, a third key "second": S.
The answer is {"hour": 4, "minute": 53}
